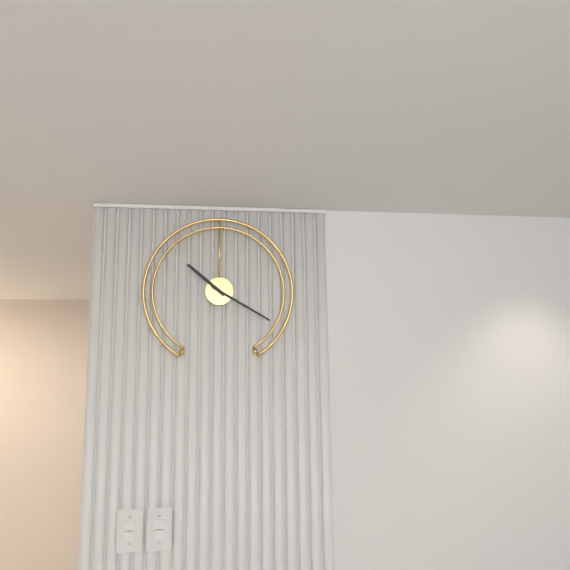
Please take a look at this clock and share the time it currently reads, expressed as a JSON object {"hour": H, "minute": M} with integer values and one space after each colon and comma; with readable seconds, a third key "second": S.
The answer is {"hour": 10, "minute": 20}
